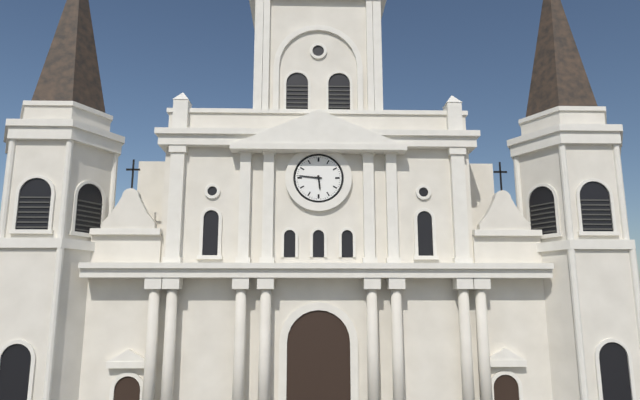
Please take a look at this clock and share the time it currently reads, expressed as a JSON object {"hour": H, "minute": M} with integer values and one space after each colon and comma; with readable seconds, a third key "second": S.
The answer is {"hour": 5, "minute": 46}
